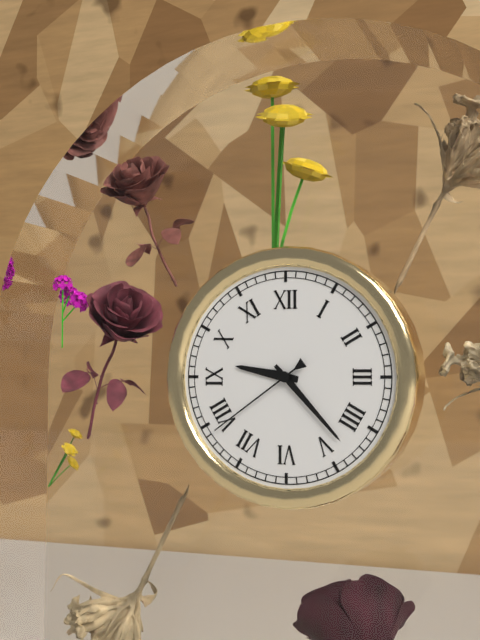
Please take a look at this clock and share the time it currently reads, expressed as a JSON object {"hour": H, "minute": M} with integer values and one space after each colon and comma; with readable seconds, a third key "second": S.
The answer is {"hour": 9, "minute": 23, "second": 39}
